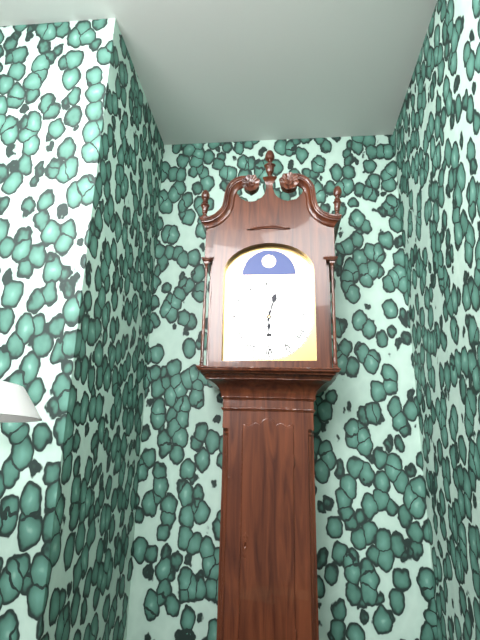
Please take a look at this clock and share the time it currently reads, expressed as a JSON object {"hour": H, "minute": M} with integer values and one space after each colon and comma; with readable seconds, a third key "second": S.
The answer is {"hour": 12, "minute": 30}
